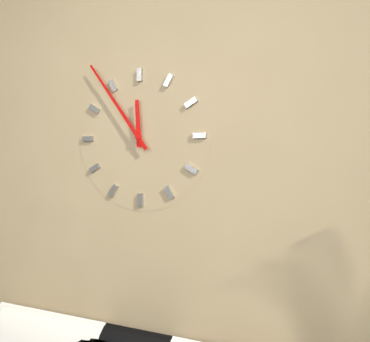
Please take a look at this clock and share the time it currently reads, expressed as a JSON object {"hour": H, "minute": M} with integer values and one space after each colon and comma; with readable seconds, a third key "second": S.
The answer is {"hour": 11, "minute": 54}
